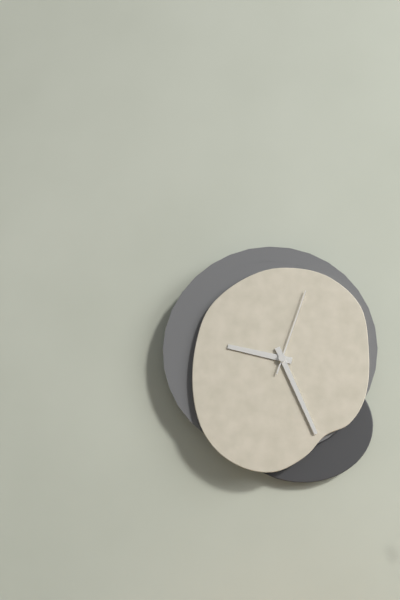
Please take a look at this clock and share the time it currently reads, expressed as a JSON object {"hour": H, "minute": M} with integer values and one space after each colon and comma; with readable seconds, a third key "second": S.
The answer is {"hour": 9, "minute": 26, "second": 3}
